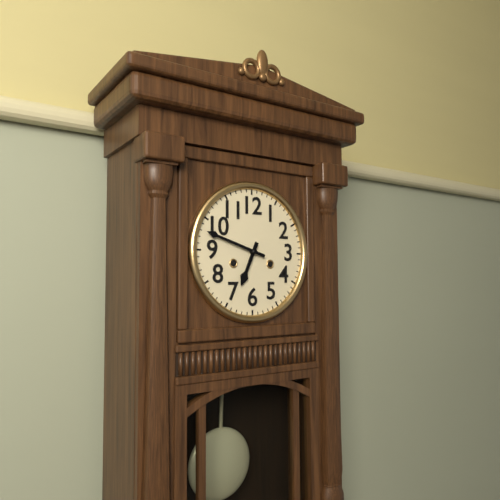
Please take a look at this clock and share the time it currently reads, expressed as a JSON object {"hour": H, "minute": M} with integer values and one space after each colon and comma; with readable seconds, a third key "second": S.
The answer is {"hour": 6, "minute": 48}
